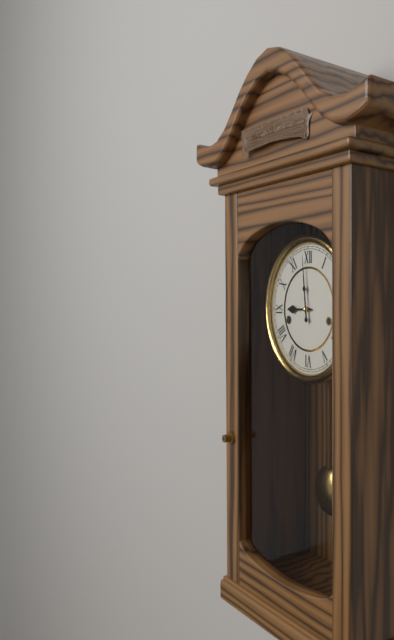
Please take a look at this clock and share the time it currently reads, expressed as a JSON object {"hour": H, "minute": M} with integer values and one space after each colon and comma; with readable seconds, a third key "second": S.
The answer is {"hour": 8, "minute": 59}
